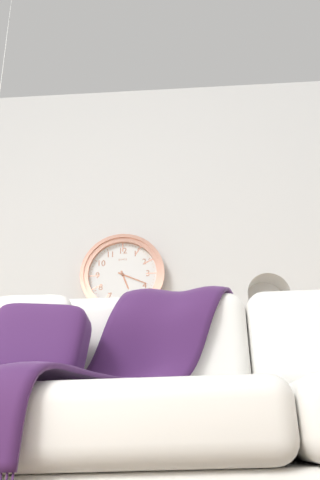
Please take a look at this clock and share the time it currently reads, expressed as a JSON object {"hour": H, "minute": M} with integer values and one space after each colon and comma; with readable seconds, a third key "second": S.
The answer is {"hour": 5, "minute": 19}
